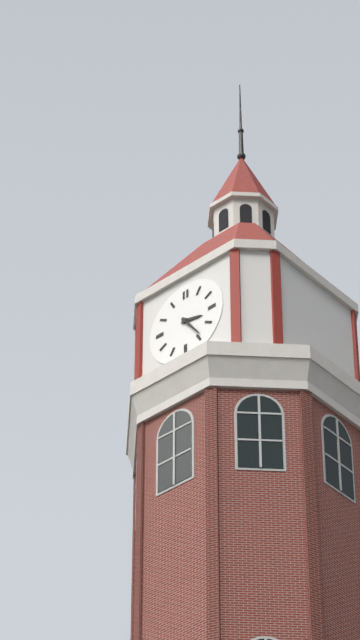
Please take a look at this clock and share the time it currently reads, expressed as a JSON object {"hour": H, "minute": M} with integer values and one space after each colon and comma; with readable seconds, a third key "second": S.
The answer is {"hour": 3, "minute": 24}
